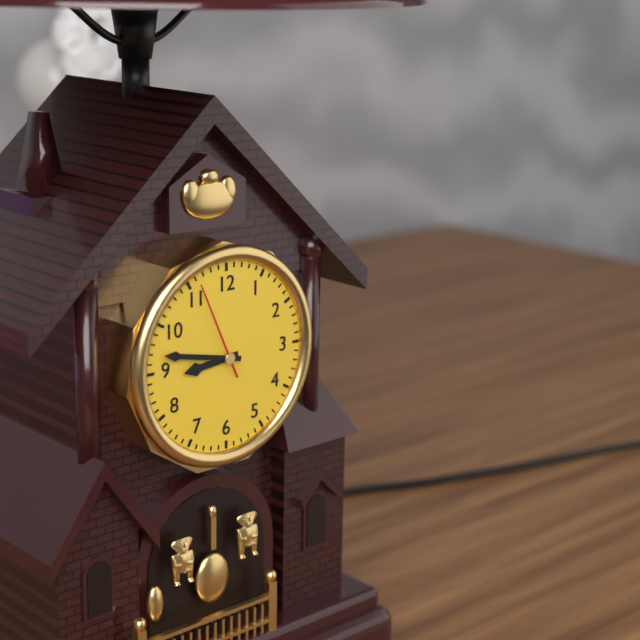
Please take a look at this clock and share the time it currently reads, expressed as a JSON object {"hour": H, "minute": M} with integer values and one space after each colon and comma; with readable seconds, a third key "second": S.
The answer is {"hour": 8, "minute": 47, "second": 56}
